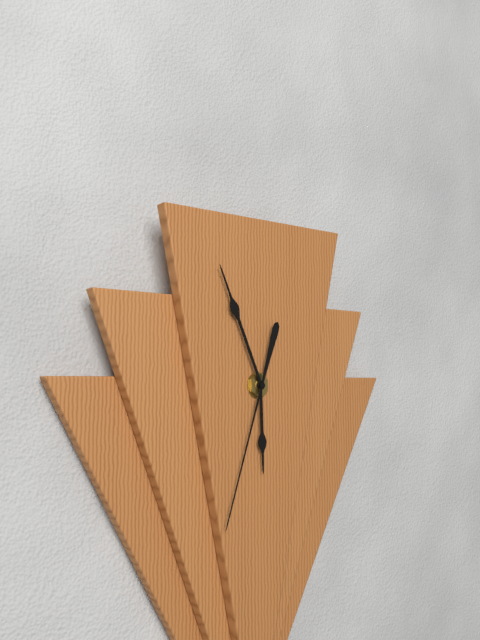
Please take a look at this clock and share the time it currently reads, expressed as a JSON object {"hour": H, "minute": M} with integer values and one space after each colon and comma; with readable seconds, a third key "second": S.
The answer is {"hour": 5, "minute": 56, "second": 33}
